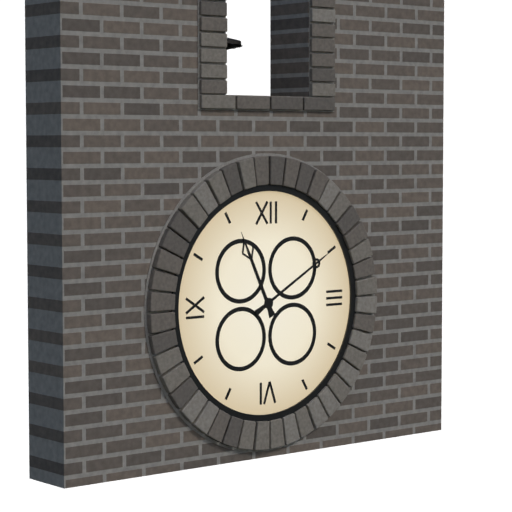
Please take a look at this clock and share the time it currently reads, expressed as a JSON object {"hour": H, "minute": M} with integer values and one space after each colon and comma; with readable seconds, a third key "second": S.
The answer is {"hour": 11, "minute": 10}
